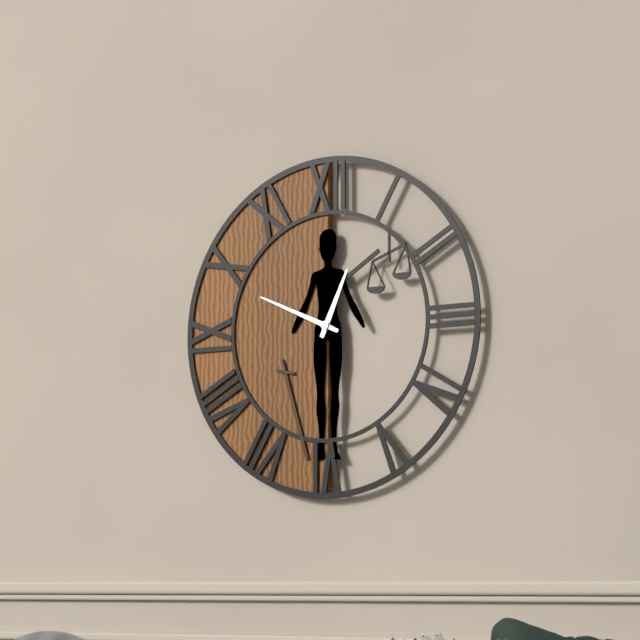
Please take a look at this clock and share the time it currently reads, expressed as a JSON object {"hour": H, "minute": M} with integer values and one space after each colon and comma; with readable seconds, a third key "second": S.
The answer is {"hour": 12, "minute": 49}
